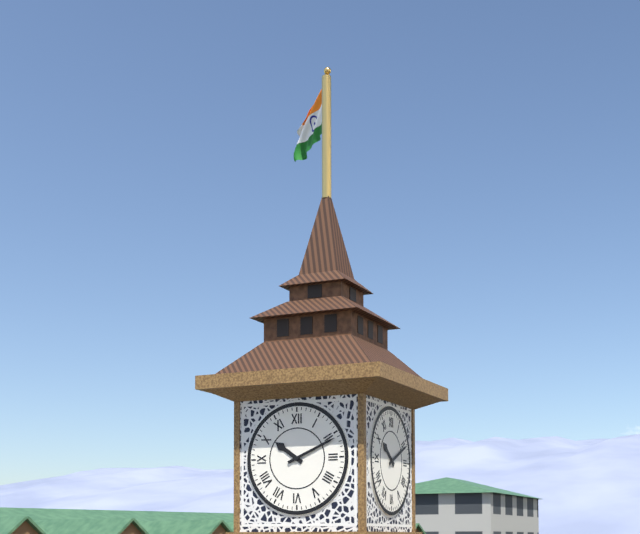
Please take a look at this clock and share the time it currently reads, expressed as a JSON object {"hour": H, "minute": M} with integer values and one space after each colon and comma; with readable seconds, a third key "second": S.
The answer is {"hour": 10, "minute": 11}
